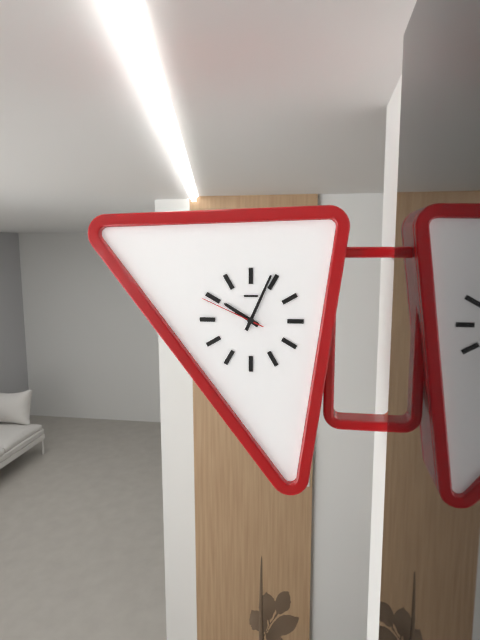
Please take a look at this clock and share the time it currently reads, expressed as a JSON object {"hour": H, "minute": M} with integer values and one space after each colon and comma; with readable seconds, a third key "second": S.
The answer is {"hour": 10, "minute": 4, "second": 49}
